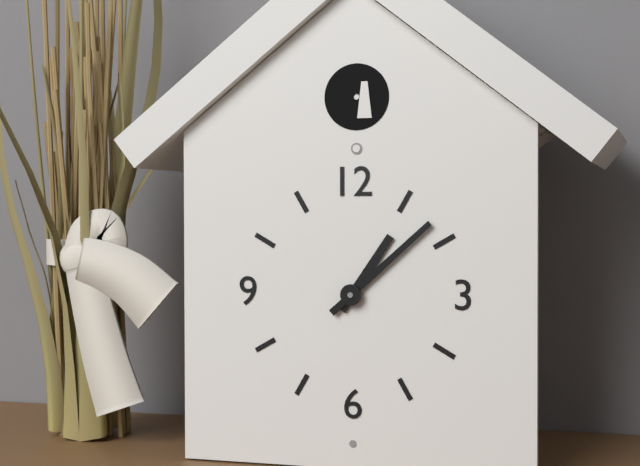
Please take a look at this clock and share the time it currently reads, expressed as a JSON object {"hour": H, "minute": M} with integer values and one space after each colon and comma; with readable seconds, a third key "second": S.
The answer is {"hour": 1, "minute": 8}
